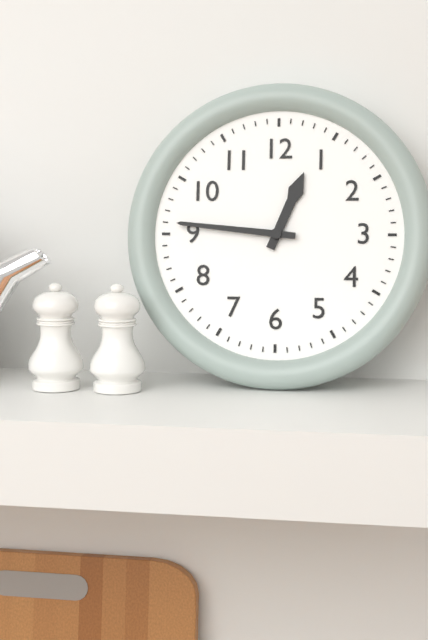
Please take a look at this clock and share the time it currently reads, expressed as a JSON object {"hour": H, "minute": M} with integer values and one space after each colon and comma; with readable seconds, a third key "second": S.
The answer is {"hour": 12, "minute": 46}
